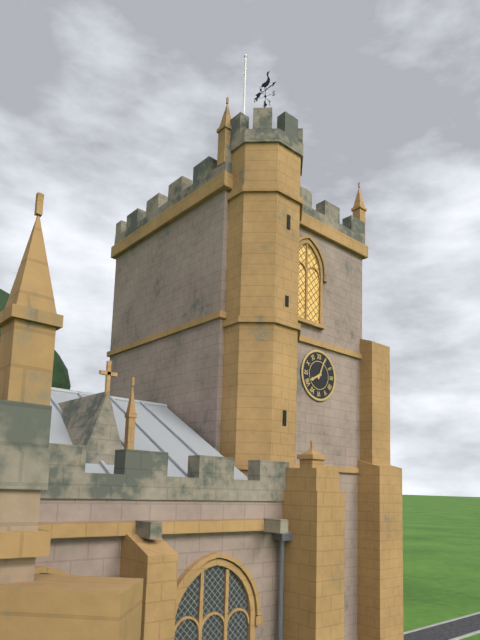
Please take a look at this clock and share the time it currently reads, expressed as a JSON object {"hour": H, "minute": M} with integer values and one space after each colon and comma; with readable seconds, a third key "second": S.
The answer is {"hour": 8, "minute": 4}
